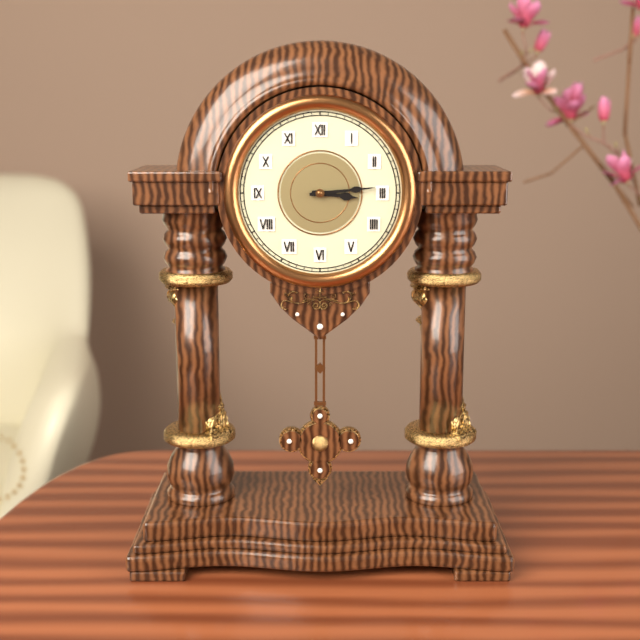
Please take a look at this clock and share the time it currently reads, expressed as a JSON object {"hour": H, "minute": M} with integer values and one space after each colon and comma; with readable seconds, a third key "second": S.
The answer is {"hour": 3, "minute": 14}
